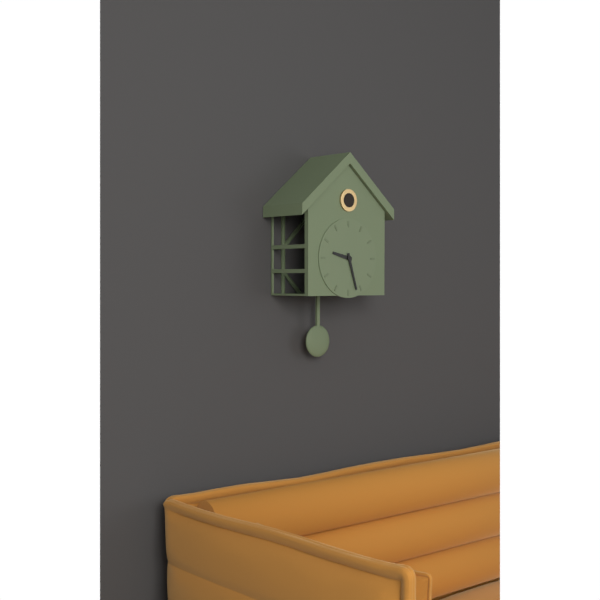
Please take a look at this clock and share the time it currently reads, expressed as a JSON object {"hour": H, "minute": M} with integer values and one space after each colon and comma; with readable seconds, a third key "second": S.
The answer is {"hour": 9, "minute": 27}
